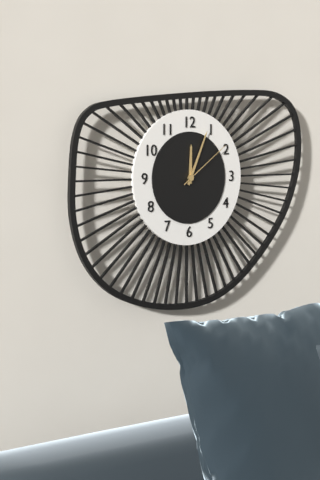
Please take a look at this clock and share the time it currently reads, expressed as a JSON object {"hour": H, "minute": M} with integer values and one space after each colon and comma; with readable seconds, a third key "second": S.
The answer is {"hour": 12, "minute": 4, "second": 9}
